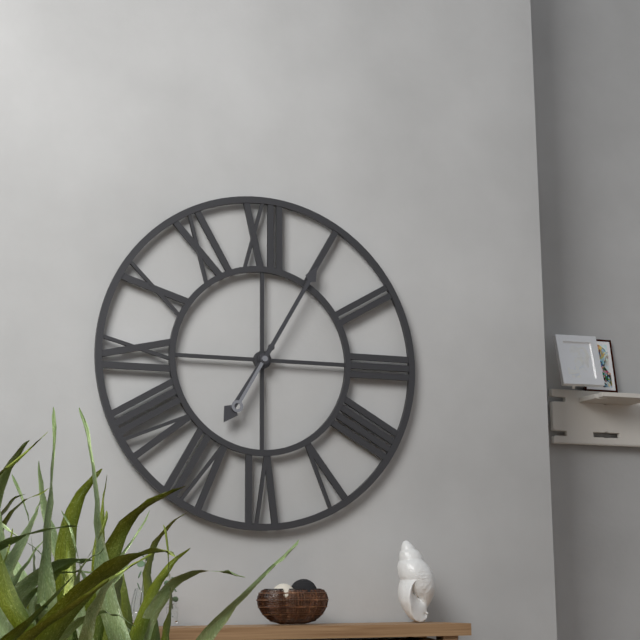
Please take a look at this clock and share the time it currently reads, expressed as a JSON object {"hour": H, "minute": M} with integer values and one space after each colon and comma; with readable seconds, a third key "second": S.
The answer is {"hour": 7, "minute": 5}
